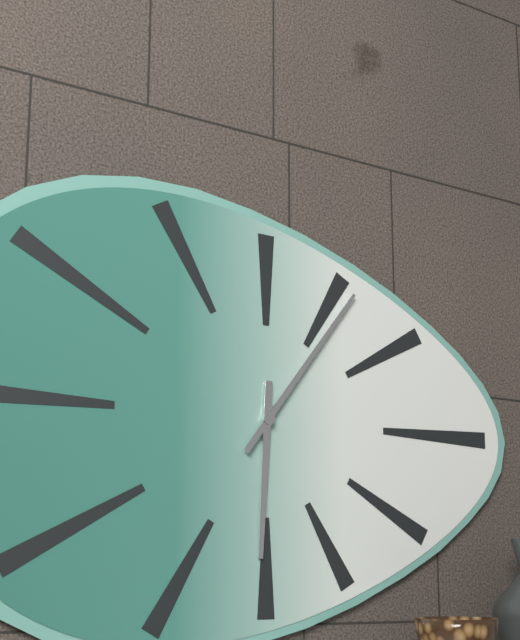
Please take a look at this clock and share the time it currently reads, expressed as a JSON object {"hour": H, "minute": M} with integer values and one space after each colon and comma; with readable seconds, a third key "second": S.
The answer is {"hour": 6, "minute": 6}
